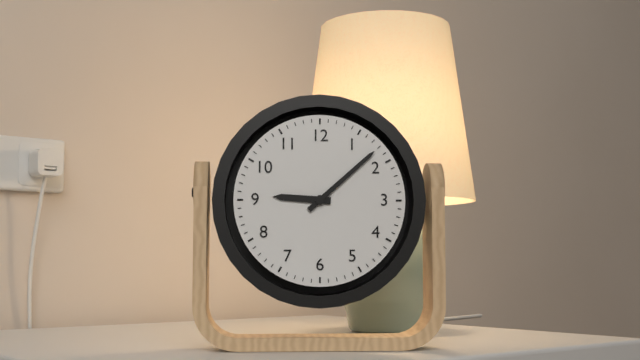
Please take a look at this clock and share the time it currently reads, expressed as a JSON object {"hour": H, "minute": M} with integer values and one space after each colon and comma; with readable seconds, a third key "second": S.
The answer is {"hour": 9, "minute": 8}
